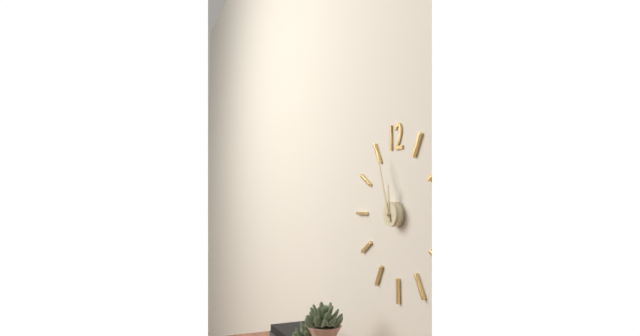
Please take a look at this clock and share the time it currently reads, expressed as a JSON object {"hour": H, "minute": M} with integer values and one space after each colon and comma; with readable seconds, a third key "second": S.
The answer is {"hour": 11, "minute": 57}
